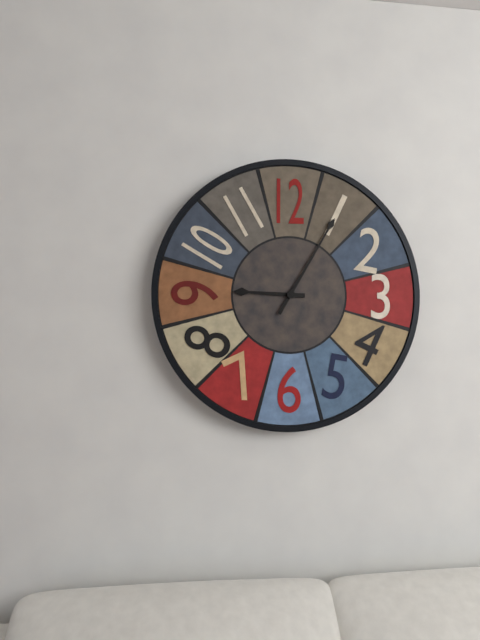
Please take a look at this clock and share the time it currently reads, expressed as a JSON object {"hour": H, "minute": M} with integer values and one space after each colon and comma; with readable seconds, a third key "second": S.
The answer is {"hour": 9, "minute": 5}
